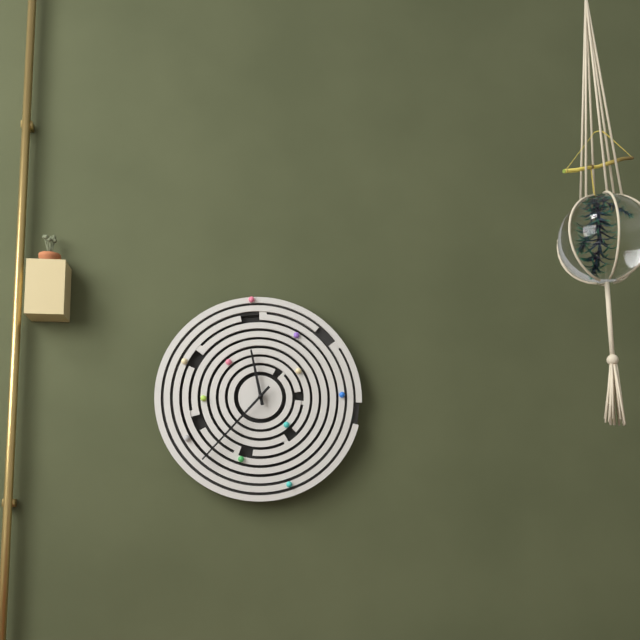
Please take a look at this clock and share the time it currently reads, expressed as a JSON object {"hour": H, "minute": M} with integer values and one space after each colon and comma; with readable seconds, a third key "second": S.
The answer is {"hour": 11, "minute": 37}
